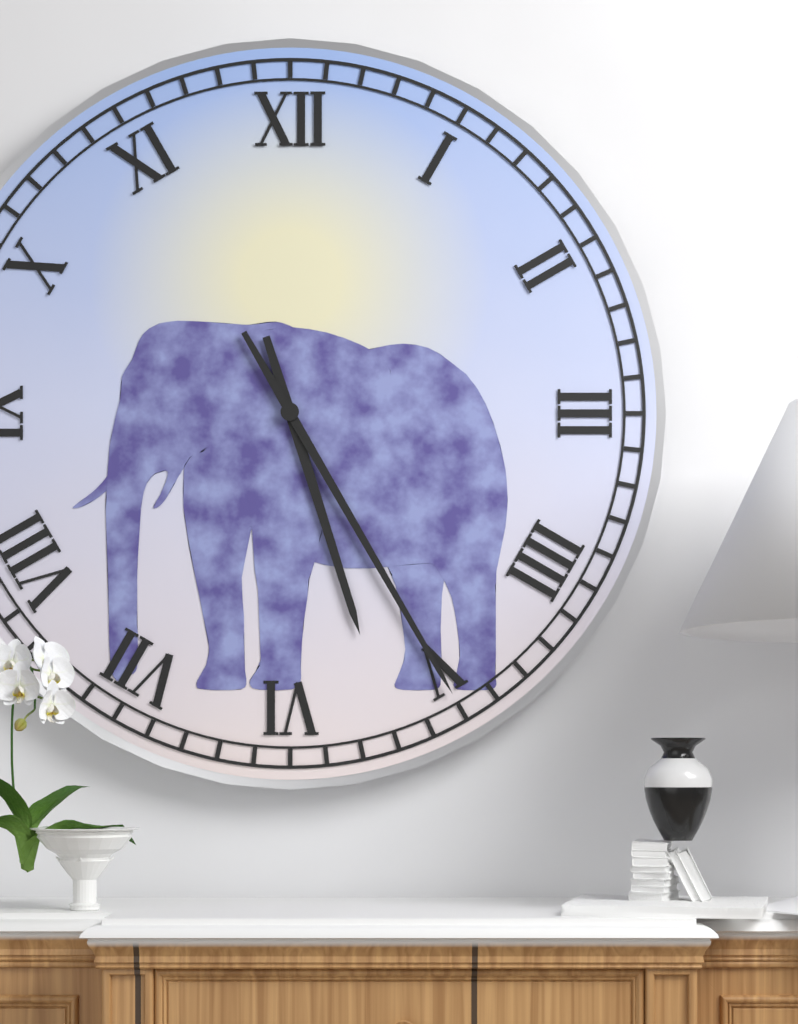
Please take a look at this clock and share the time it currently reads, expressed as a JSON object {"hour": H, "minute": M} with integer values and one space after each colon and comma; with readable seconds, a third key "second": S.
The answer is {"hour": 5, "minute": 25}
